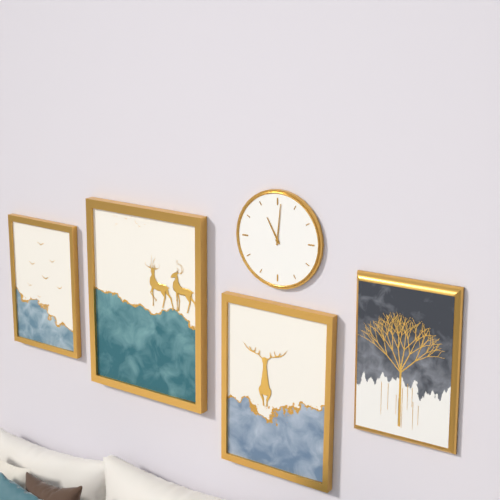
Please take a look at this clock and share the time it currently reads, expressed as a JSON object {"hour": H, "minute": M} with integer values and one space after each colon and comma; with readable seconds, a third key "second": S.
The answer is {"hour": 11, "minute": 1}
